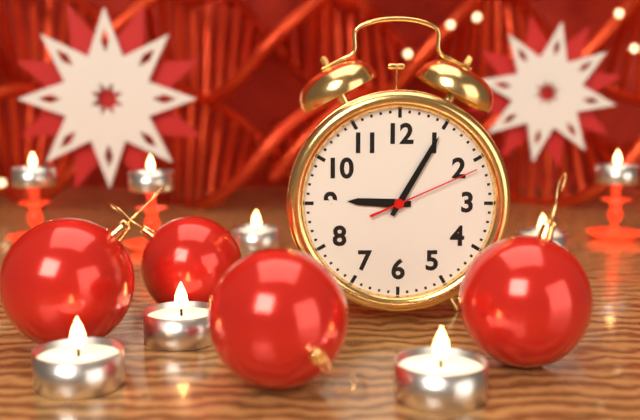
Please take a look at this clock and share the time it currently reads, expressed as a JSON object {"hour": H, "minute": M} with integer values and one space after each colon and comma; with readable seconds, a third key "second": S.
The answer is {"hour": 9, "minute": 5, "second": 11}
